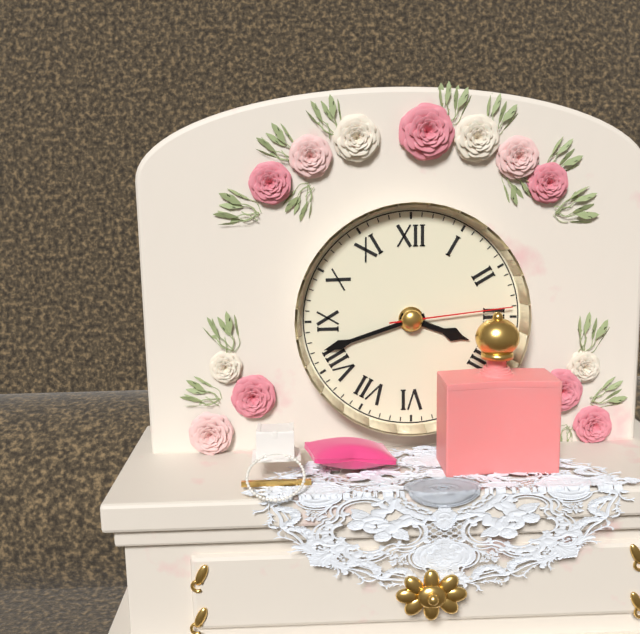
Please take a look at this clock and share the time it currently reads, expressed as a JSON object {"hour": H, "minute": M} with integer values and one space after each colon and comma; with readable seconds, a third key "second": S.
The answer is {"hour": 3, "minute": 42, "second": 14}
